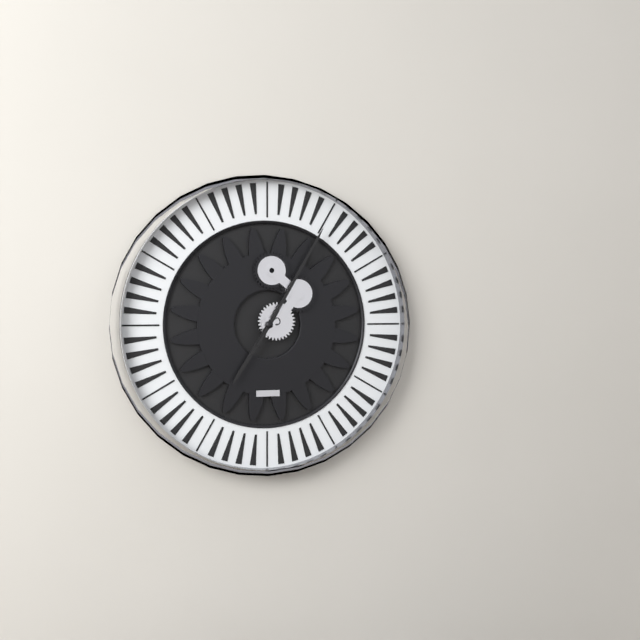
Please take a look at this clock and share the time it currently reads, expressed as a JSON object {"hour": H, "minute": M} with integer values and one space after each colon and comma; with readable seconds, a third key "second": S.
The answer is {"hour": 7, "minute": 5}
